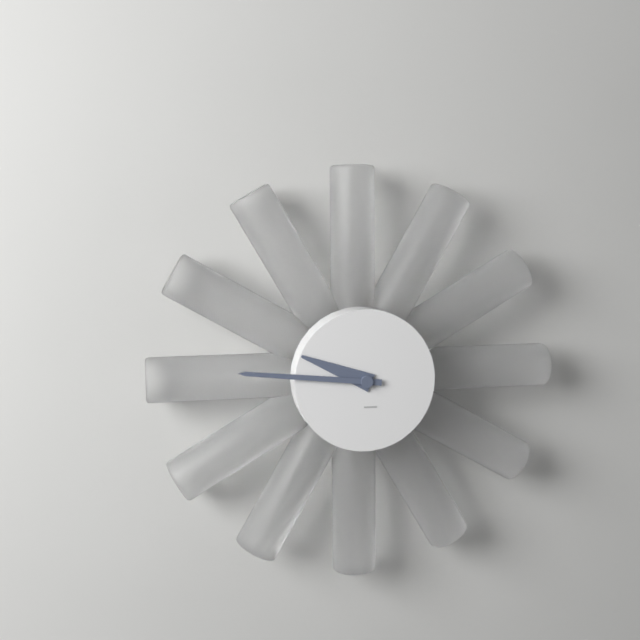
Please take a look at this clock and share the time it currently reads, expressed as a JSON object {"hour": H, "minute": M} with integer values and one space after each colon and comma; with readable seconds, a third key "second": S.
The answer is {"hour": 9, "minute": 46}
